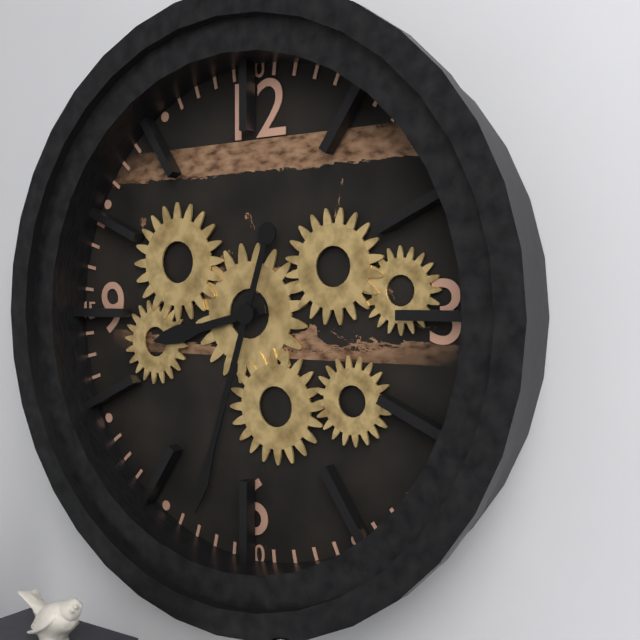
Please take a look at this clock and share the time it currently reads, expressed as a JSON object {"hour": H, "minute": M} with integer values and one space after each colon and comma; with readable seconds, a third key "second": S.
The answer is {"hour": 8, "minute": 33}
